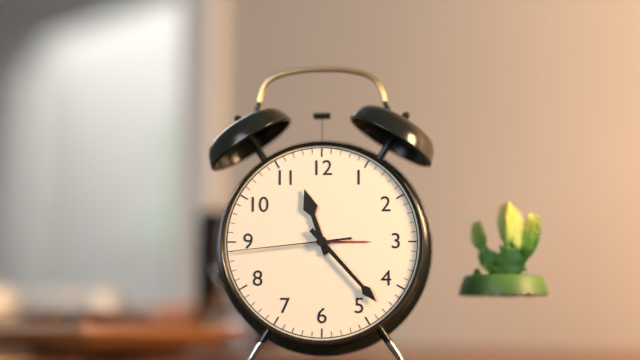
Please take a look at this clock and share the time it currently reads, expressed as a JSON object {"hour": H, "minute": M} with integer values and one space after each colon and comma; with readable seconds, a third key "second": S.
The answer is {"hour": 11, "minute": 23, "second": 44}
